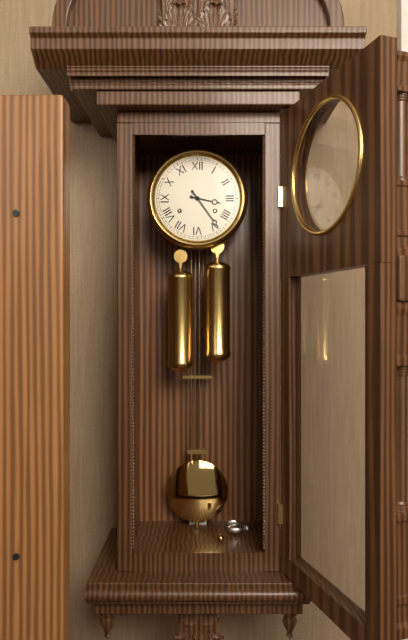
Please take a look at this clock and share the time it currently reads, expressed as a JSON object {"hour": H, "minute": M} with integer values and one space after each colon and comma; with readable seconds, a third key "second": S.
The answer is {"hour": 3, "minute": 24}
